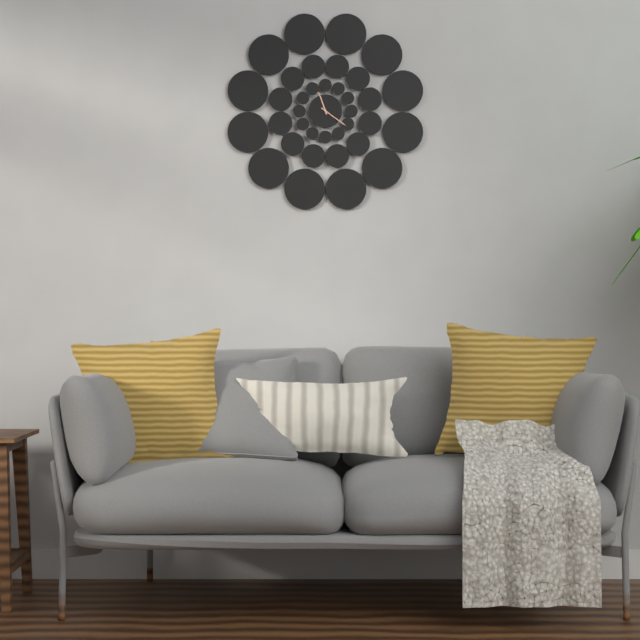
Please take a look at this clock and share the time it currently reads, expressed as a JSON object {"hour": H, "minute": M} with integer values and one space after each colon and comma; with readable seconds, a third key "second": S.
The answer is {"hour": 11, "minute": 21}
